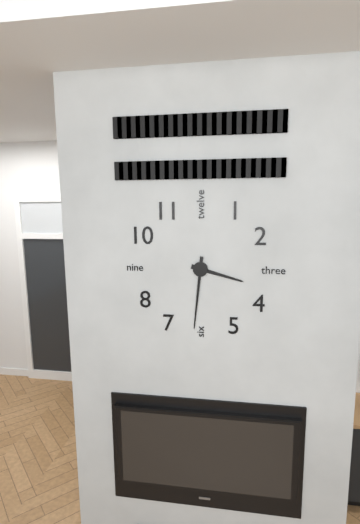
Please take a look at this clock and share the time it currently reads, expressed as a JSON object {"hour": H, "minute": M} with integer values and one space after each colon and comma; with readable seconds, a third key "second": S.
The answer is {"hour": 3, "minute": 31}
